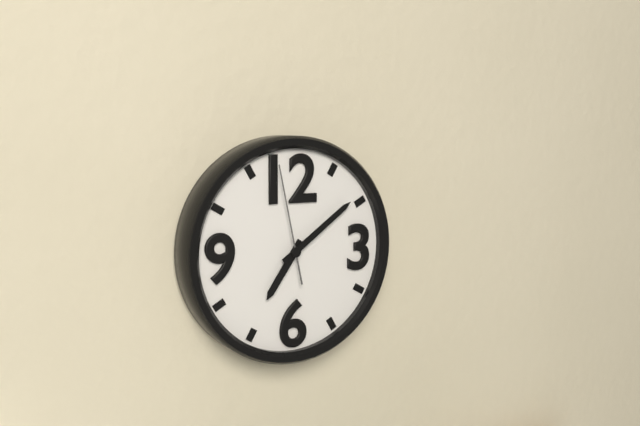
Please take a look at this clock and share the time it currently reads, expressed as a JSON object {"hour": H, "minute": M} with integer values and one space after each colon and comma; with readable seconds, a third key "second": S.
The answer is {"hour": 7, "minute": 9, "second": 58}
